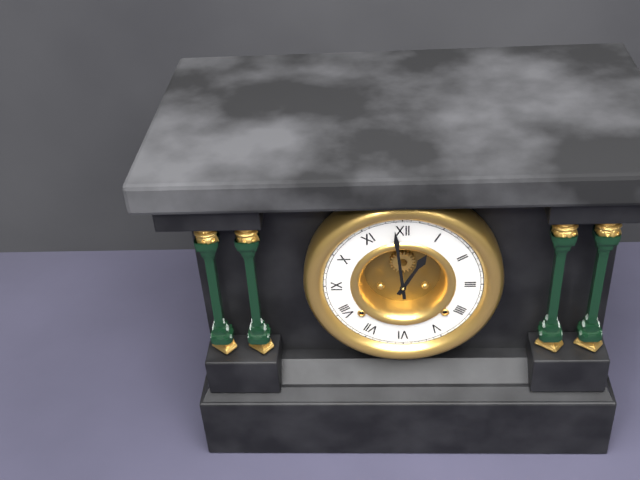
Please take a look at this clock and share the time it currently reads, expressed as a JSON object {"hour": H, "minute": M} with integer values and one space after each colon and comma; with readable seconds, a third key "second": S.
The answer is {"hour": 12, "minute": 59}
